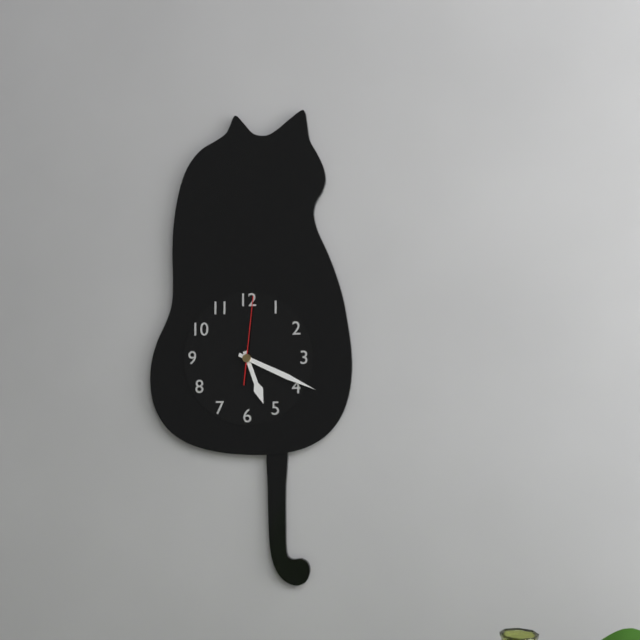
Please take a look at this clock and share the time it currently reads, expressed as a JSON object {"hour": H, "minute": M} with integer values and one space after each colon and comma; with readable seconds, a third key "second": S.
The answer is {"hour": 5, "minute": 19, "second": 1}
